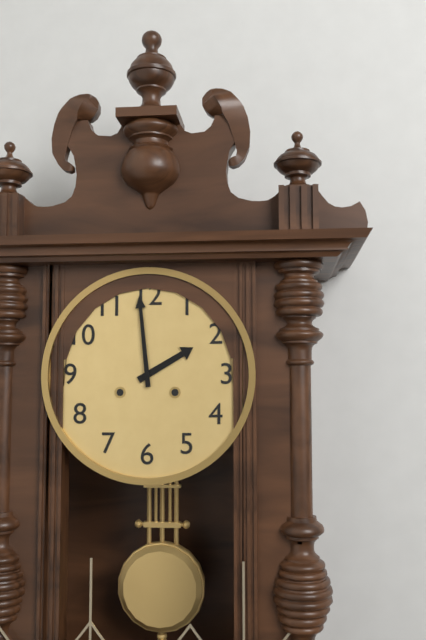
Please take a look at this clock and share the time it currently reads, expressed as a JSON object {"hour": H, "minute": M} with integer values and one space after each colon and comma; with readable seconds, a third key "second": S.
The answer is {"hour": 1, "minute": 59}
